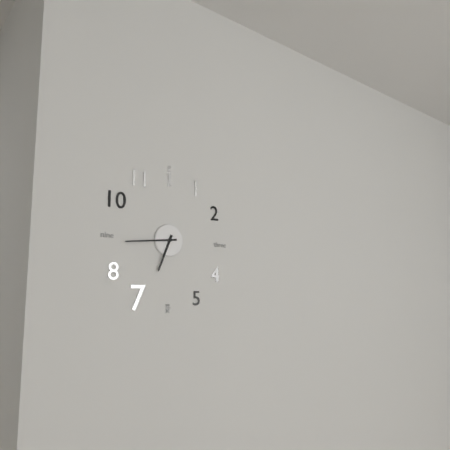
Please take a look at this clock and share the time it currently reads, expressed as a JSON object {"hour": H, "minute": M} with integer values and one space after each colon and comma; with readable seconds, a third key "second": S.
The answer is {"hour": 6, "minute": 44}
